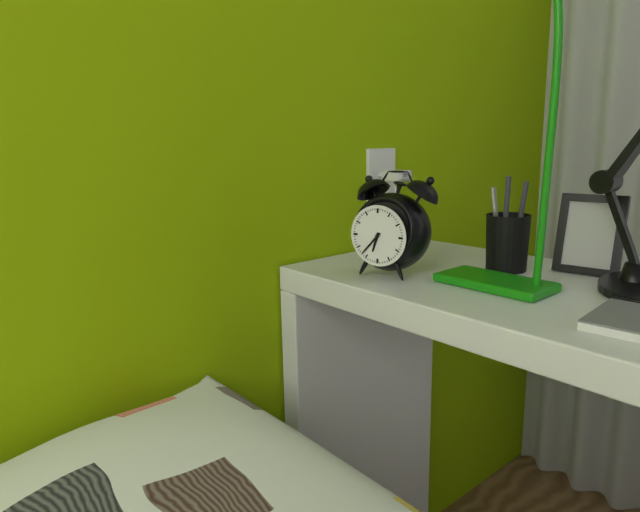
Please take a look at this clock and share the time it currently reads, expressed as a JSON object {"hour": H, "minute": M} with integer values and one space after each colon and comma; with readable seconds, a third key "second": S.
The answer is {"hour": 6, "minute": 37}
